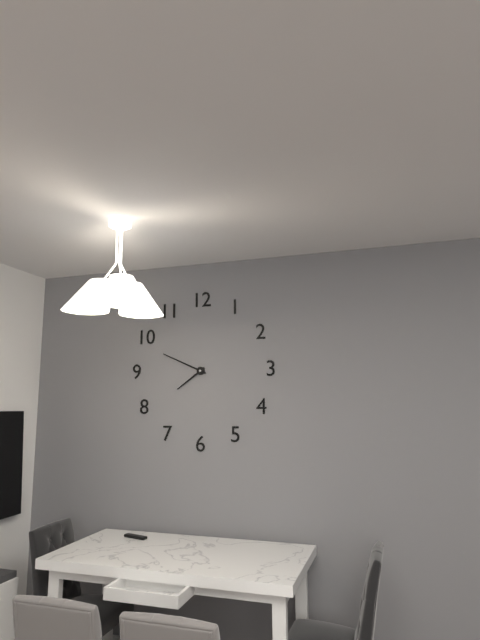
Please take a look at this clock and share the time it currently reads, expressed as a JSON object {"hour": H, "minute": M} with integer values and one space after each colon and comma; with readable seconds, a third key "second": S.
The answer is {"hour": 7, "minute": 49}
